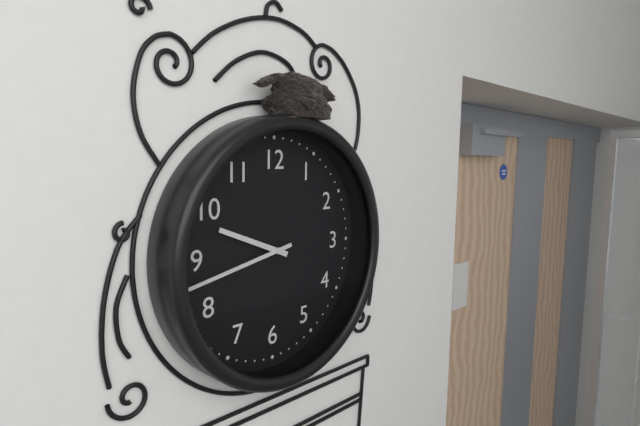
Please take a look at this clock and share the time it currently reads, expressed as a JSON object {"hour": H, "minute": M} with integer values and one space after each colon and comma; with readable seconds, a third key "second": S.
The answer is {"hour": 9, "minute": 43}
